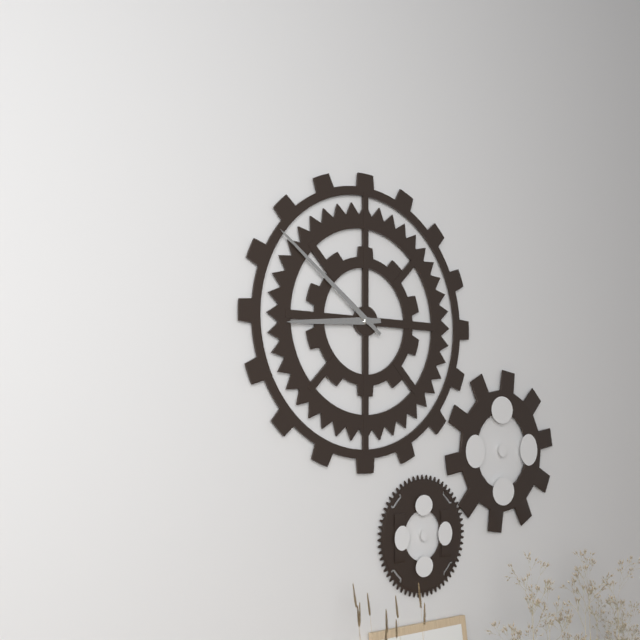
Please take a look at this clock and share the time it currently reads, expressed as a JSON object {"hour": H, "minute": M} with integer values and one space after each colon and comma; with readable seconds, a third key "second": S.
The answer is {"hour": 8, "minute": 51}
